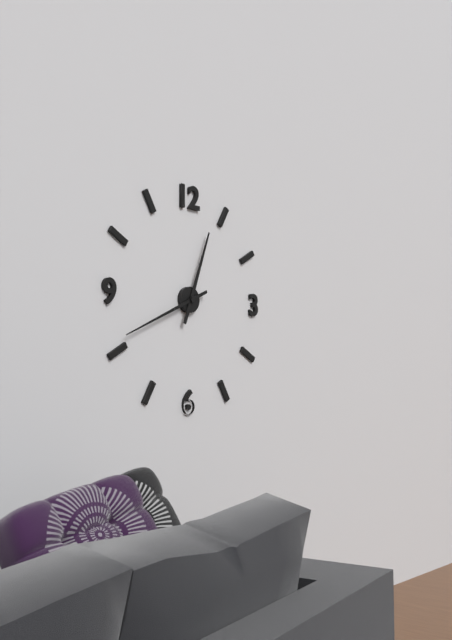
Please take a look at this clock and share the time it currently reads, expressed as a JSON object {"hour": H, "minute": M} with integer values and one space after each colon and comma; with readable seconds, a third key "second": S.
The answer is {"hour": 12, "minute": 41}
